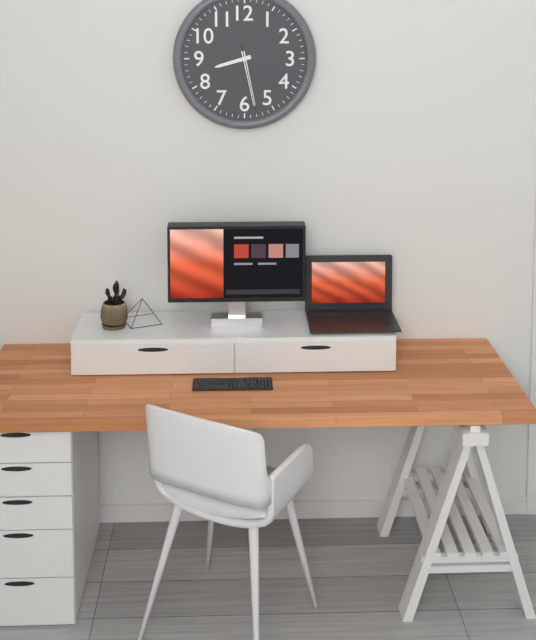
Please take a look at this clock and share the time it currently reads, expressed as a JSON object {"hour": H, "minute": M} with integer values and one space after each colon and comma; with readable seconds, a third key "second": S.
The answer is {"hour": 8, "minute": 28, "second": 28}
